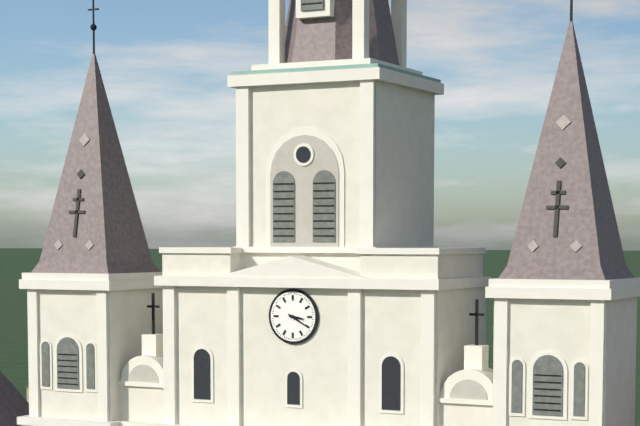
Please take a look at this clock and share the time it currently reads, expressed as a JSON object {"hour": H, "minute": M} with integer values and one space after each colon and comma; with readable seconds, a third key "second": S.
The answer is {"hour": 3, "minute": 20}
